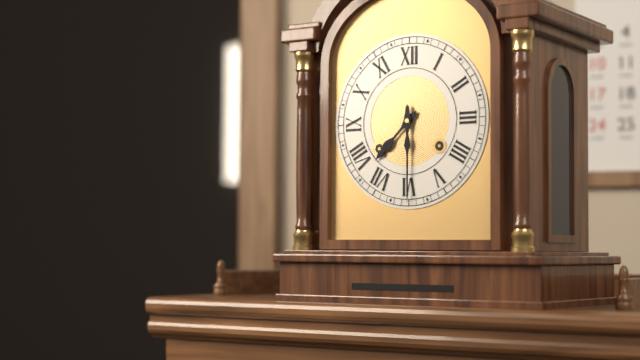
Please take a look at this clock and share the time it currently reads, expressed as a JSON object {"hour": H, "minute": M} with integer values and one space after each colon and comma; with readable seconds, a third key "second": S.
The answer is {"hour": 7, "minute": 30}
